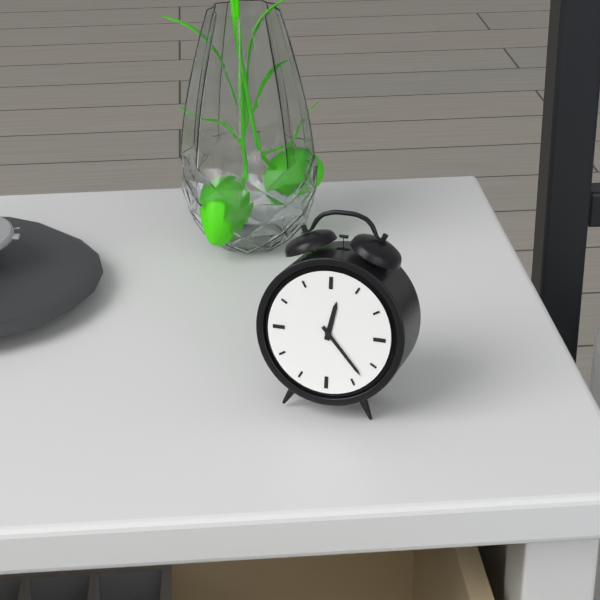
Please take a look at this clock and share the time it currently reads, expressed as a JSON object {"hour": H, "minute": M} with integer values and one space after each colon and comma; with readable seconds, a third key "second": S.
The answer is {"hour": 12, "minute": 23}
